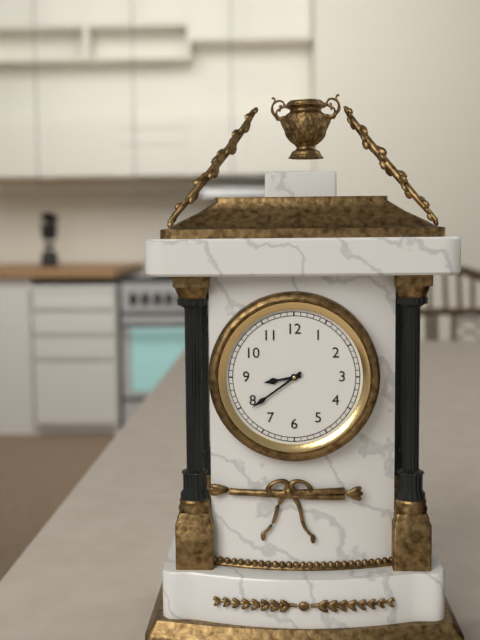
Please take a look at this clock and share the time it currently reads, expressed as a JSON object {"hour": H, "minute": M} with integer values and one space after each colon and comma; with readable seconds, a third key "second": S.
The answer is {"hour": 8, "minute": 39}
